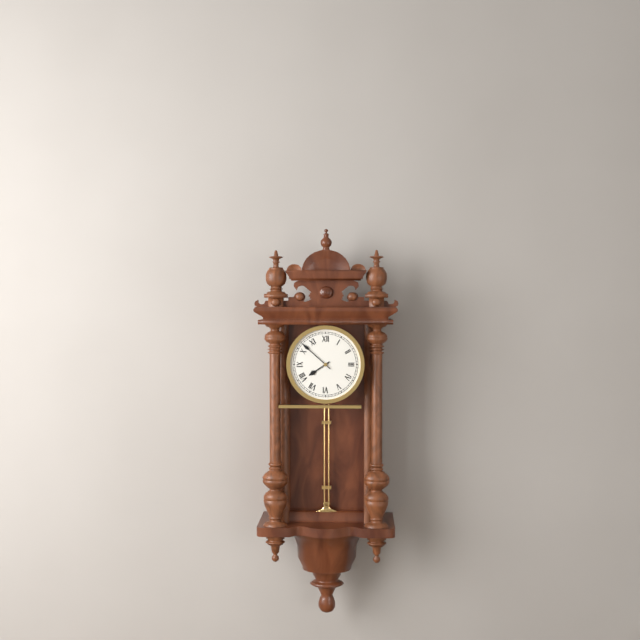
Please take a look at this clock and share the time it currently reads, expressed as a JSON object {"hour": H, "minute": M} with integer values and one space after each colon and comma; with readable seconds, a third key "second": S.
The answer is {"hour": 7, "minute": 52}
